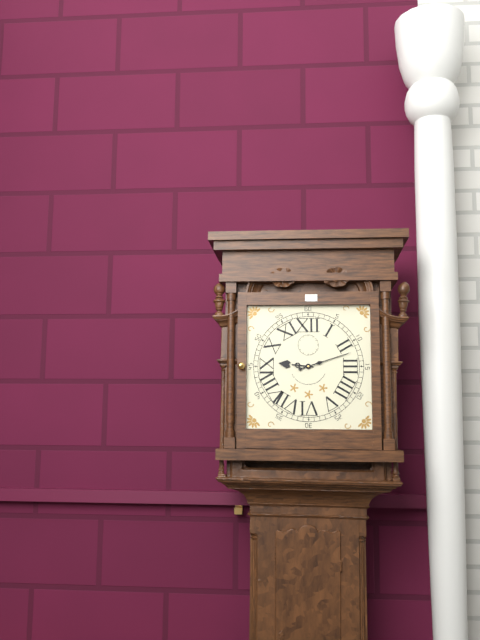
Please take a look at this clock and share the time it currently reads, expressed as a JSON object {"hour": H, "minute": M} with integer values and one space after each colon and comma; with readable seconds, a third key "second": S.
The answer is {"hour": 9, "minute": 12}
